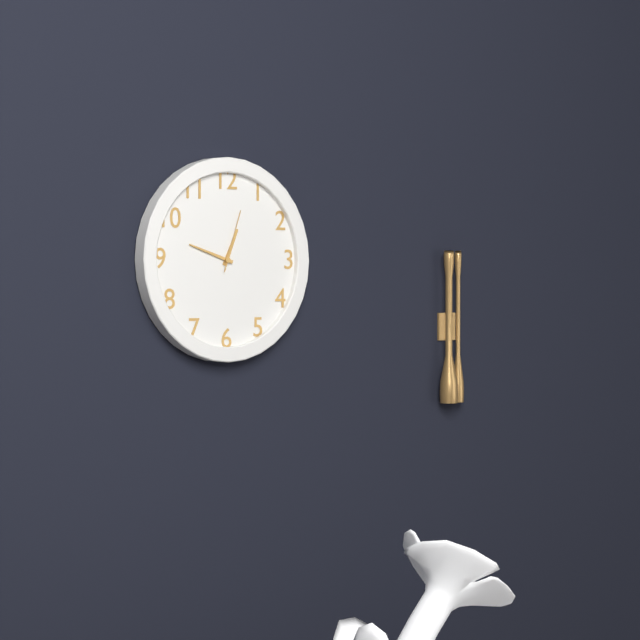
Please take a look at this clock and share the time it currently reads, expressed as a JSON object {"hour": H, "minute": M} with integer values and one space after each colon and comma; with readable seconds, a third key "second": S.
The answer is {"hour": 12, "minute": 48, "second": 3}
